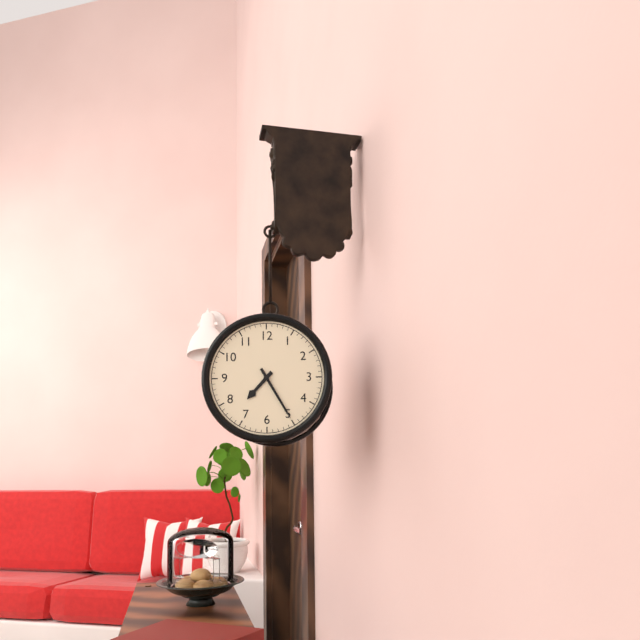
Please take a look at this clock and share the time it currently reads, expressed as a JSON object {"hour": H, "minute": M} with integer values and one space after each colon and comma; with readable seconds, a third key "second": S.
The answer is {"hour": 7, "minute": 25}
